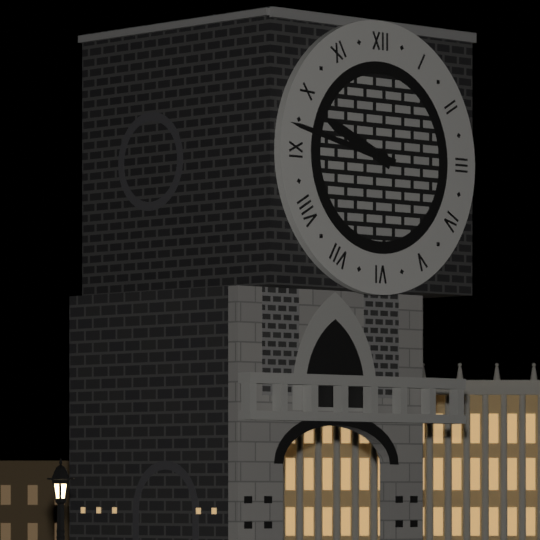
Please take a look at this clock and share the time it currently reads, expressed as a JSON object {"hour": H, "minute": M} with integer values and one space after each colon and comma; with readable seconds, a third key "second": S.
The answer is {"hour": 9, "minute": 47}
